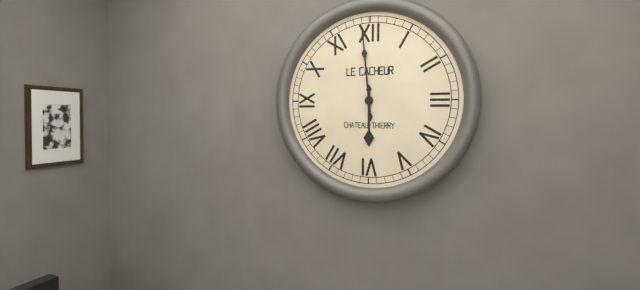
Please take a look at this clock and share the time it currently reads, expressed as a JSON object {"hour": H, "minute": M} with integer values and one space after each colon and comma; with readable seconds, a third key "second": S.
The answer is {"hour": 5, "minute": 59}
